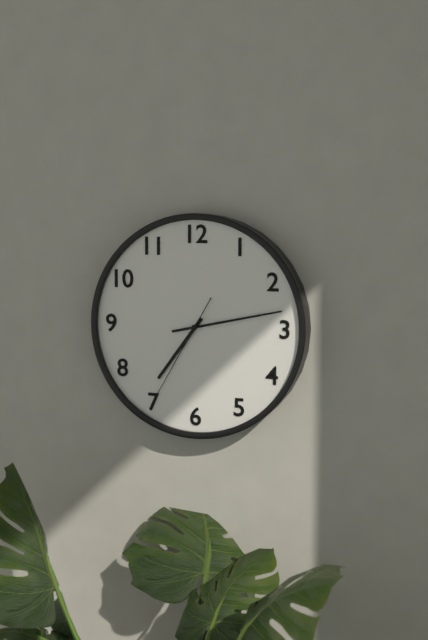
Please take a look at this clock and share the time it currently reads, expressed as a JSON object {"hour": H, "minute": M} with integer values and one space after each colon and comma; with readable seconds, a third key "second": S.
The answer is {"hour": 7, "minute": 13, "second": 35}
